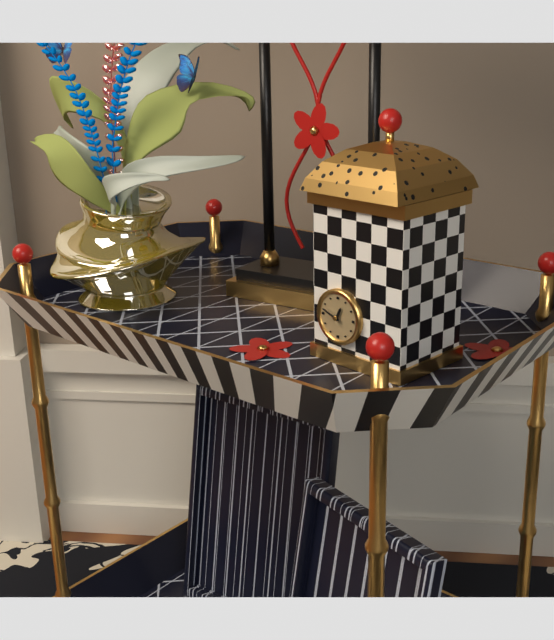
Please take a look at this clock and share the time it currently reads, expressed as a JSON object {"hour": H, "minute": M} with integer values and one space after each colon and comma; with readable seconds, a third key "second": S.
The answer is {"hour": 12, "minute": 48}
